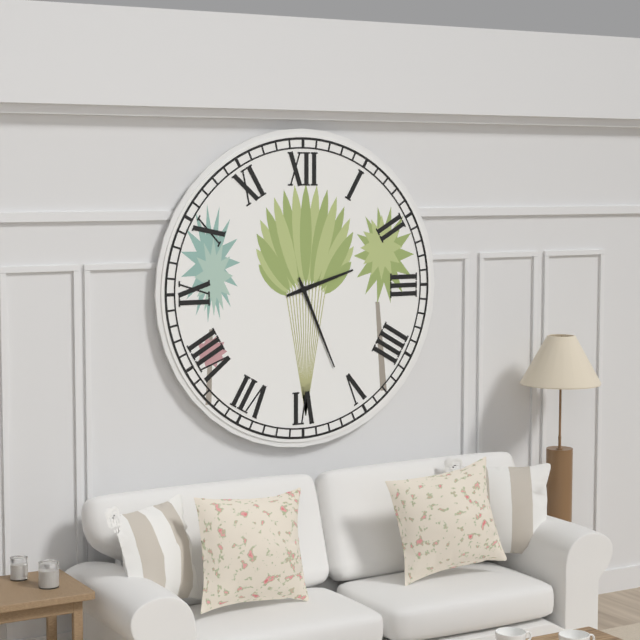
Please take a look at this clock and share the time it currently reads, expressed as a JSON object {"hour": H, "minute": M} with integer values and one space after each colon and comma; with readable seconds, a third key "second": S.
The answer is {"hour": 2, "minute": 26}
